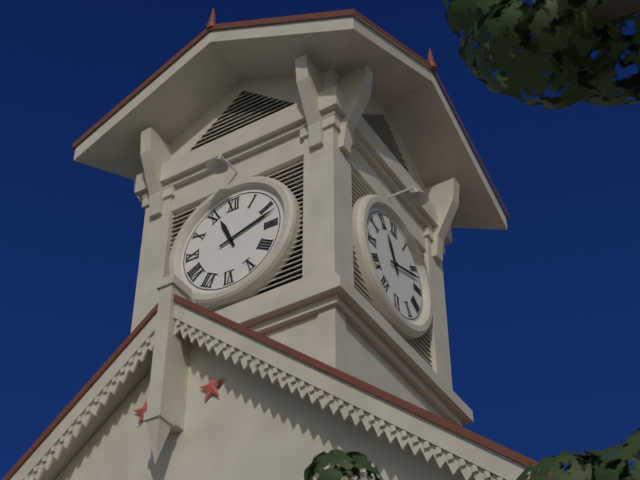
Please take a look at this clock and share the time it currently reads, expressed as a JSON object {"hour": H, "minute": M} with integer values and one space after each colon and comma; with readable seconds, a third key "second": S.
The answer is {"hour": 11, "minute": 12}
